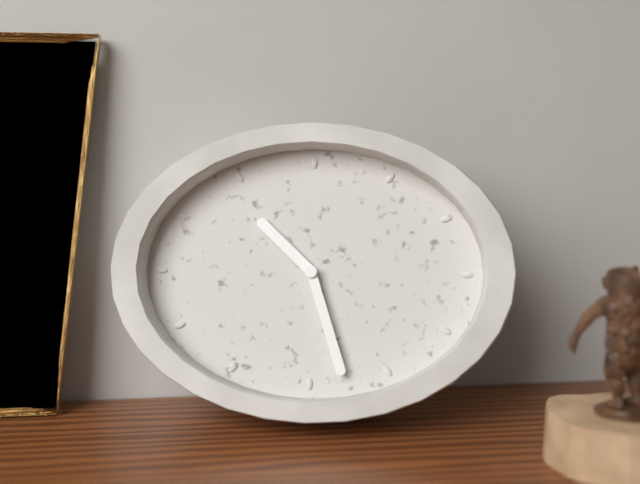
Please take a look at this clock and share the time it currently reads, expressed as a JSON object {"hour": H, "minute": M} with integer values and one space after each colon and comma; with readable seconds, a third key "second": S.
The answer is {"hour": 10, "minute": 27}
